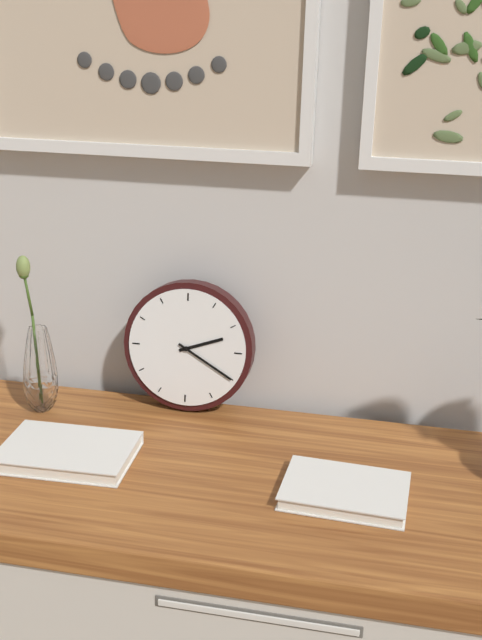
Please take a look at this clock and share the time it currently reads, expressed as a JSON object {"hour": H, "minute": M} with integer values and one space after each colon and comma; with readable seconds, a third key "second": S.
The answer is {"hour": 2, "minute": 20}
